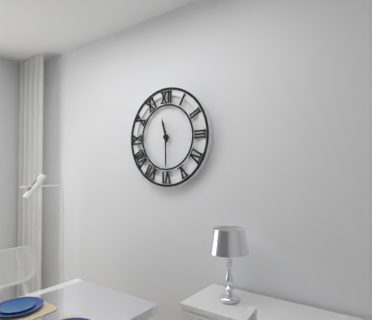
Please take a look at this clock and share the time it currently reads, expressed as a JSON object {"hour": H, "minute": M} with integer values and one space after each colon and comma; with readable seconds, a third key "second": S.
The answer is {"hour": 11, "minute": 30}
